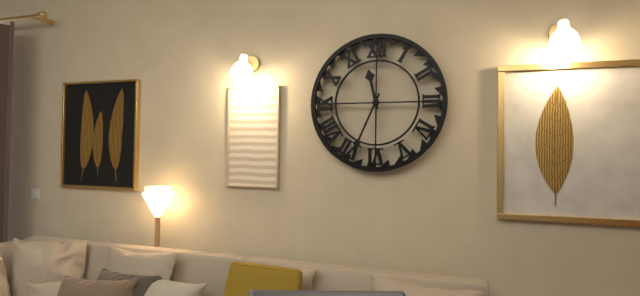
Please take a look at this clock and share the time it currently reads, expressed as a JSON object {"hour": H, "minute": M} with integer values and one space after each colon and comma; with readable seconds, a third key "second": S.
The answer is {"hour": 11, "minute": 34}
